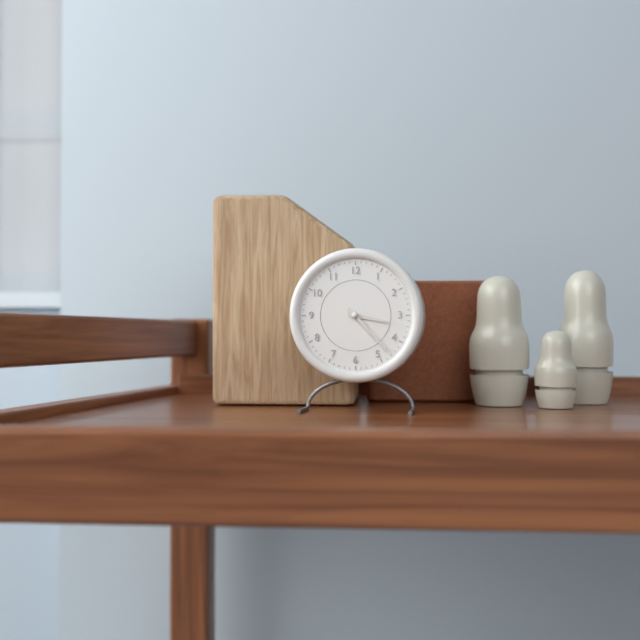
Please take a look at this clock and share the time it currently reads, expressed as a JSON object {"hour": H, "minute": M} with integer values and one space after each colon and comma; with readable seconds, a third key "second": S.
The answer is {"hour": 3, "minute": 23}
